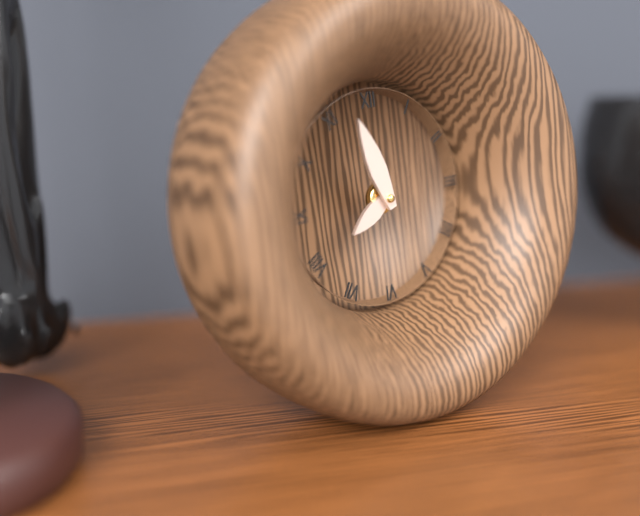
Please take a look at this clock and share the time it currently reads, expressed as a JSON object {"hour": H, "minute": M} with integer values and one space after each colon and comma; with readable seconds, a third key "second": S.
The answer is {"hour": 7, "minute": 57}
